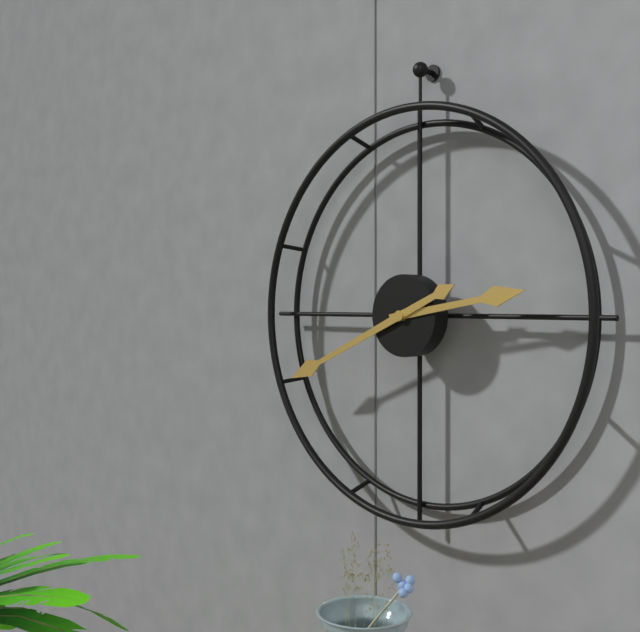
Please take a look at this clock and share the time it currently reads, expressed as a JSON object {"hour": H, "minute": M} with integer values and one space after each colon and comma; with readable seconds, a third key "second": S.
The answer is {"hour": 2, "minute": 41}
